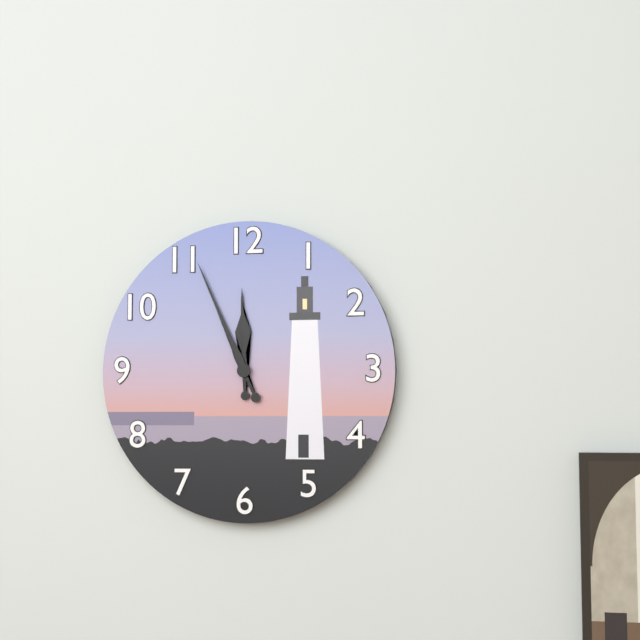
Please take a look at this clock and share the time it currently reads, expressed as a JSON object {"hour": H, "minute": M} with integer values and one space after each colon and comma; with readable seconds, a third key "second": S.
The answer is {"hour": 11, "minute": 56}
